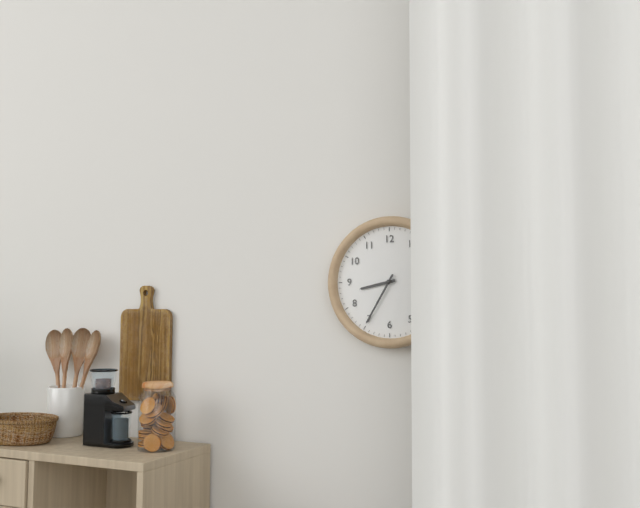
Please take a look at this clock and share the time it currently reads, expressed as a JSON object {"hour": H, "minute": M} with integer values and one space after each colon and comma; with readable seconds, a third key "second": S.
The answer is {"hour": 8, "minute": 35}
